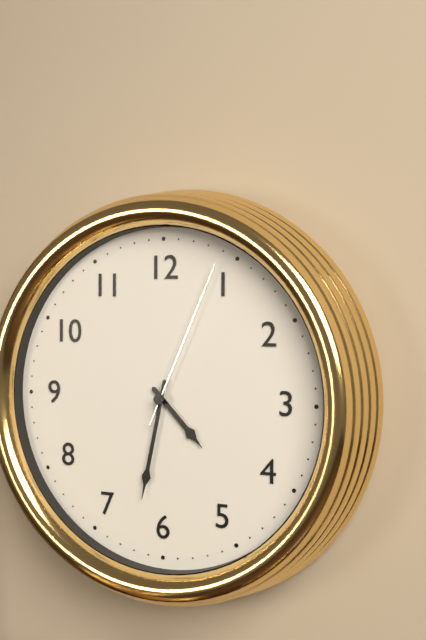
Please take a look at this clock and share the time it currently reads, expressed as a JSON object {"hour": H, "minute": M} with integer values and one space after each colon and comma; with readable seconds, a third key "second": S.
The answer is {"hour": 4, "minute": 32, "second": 4}
